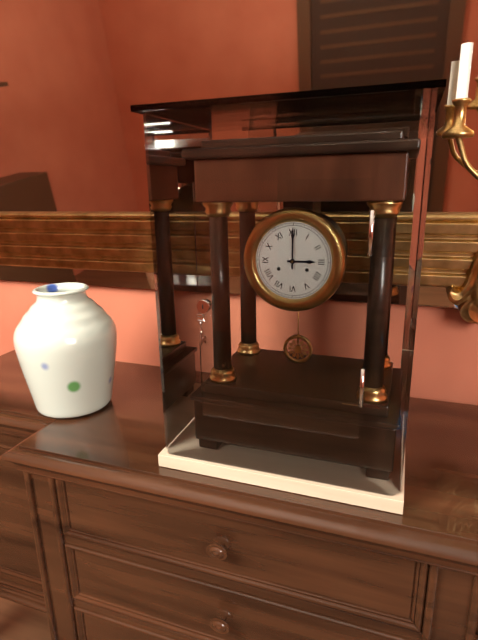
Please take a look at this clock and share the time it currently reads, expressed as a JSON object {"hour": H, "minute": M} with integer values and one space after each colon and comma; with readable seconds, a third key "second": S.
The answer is {"hour": 3, "minute": 0}
